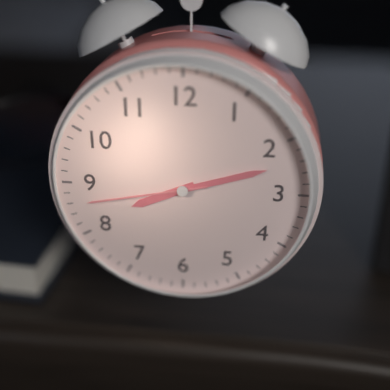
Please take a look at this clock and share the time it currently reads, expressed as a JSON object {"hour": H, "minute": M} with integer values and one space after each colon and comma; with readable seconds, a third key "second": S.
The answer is {"hour": 8, "minute": 12, "second": 43}
